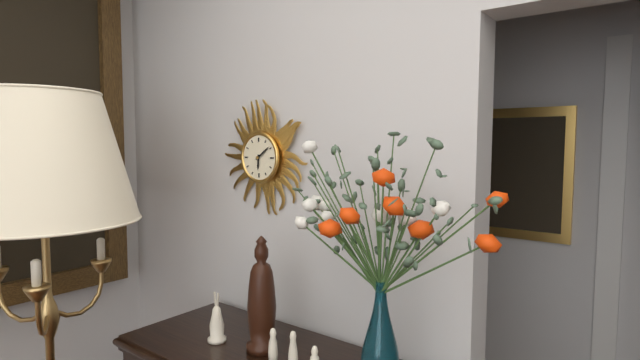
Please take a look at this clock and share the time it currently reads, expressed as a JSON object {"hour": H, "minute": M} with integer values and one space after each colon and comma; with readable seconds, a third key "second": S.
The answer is {"hour": 6, "minute": 9}
